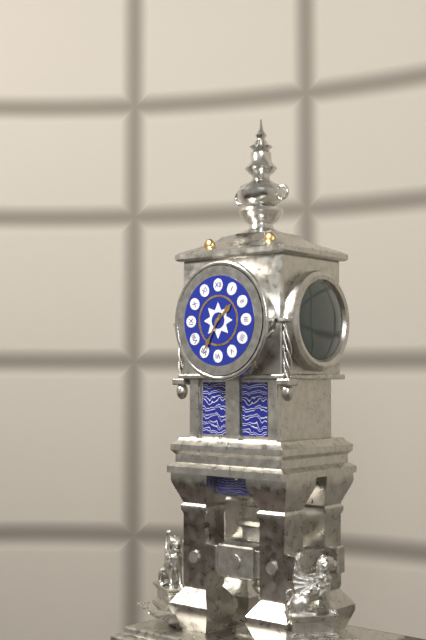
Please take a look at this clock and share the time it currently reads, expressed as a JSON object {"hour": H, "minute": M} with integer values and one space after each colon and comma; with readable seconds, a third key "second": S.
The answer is {"hour": 1, "minute": 35}
